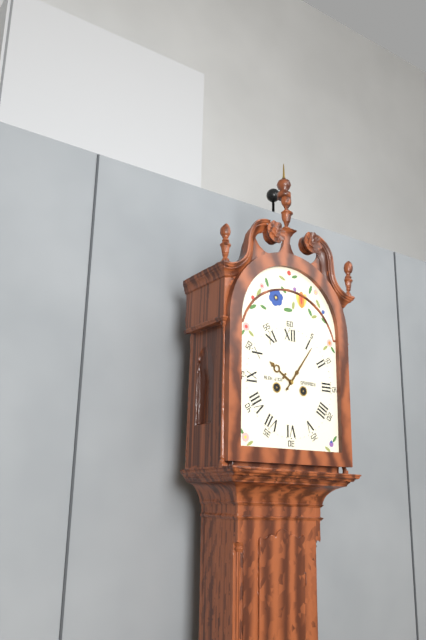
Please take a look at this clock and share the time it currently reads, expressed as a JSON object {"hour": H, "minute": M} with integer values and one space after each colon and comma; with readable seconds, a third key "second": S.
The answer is {"hour": 10, "minute": 6}
